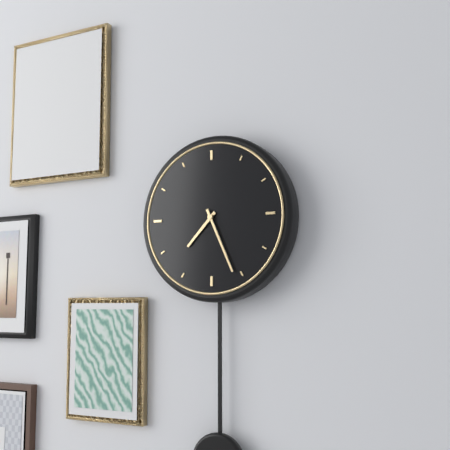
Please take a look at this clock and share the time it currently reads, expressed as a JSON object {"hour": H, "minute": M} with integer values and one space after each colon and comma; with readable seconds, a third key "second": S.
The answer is {"hour": 7, "minute": 26}
